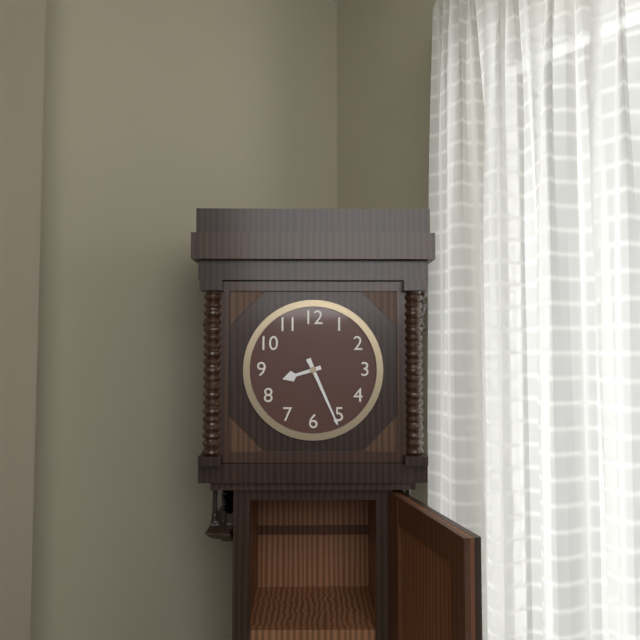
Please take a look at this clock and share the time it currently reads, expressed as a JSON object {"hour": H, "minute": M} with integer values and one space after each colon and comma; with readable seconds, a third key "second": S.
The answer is {"hour": 8, "minute": 26}
